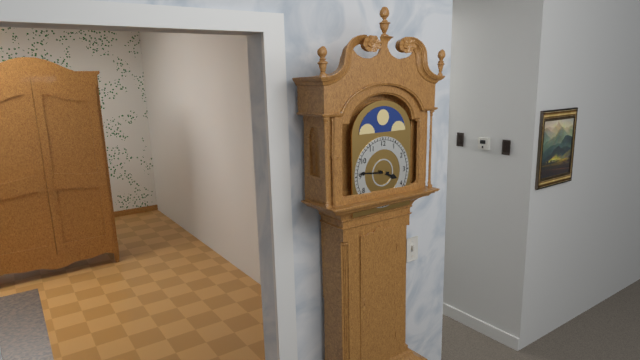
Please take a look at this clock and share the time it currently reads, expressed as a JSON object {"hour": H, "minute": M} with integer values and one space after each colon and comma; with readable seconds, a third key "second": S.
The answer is {"hour": 3, "minute": 46}
